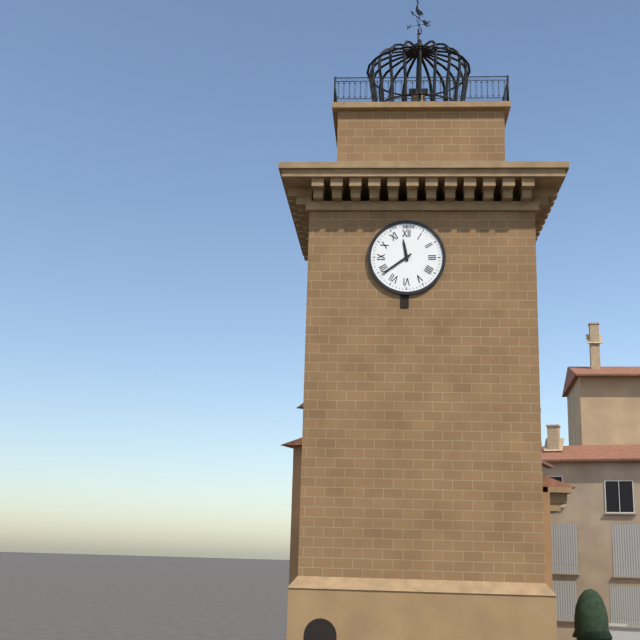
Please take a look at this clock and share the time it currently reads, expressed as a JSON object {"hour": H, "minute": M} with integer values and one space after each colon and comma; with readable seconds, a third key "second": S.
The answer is {"hour": 11, "minute": 39}
